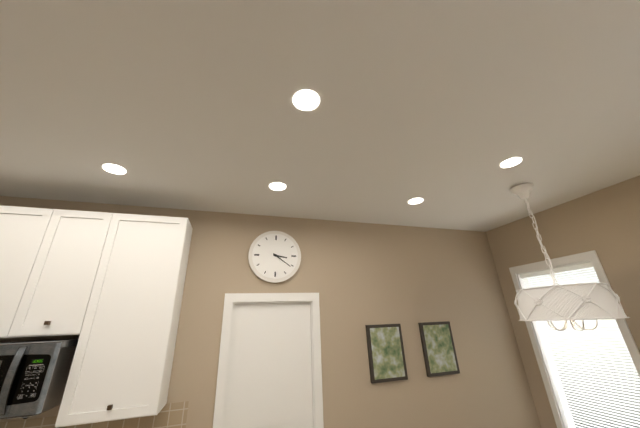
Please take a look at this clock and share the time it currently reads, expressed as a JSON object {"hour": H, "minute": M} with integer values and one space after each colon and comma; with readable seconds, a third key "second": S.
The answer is {"hour": 3, "minute": 21}
